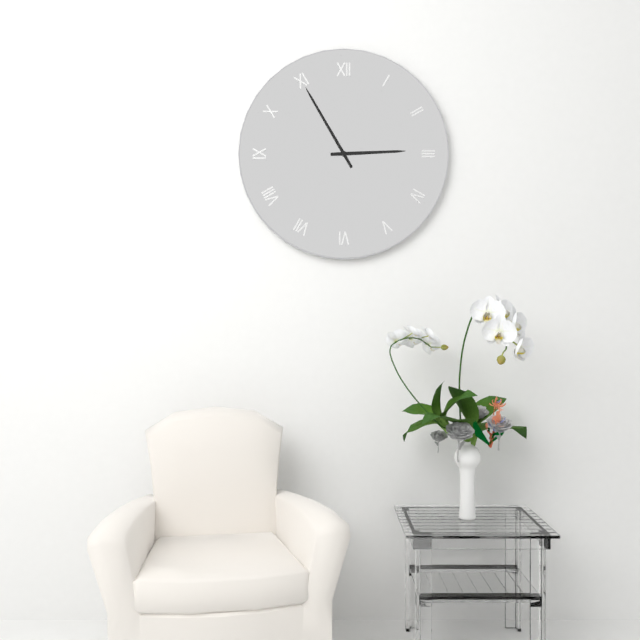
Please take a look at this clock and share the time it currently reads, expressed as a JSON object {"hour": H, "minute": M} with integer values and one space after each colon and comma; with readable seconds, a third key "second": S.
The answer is {"hour": 2, "minute": 55}
